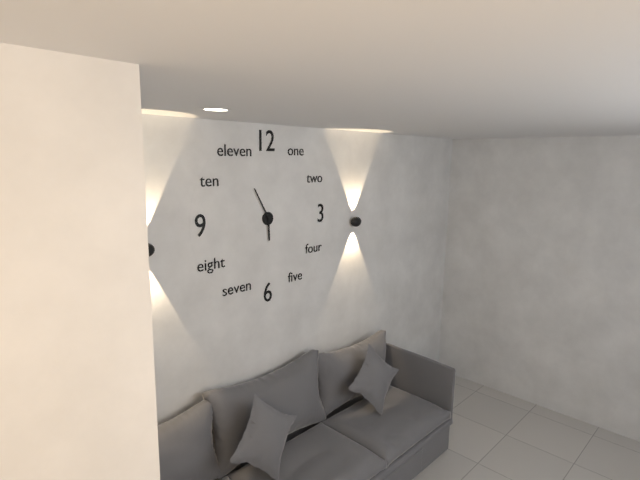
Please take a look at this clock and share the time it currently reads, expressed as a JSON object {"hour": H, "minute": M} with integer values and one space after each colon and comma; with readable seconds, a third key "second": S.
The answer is {"hour": 5, "minute": 55}
